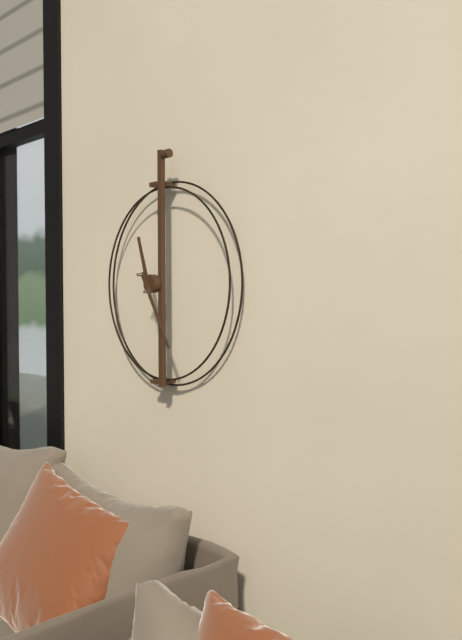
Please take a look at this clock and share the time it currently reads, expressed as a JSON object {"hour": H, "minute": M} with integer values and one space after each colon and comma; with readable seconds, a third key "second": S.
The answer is {"hour": 11, "minute": 25}
